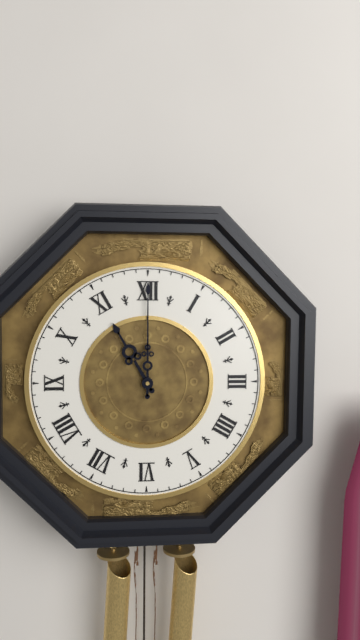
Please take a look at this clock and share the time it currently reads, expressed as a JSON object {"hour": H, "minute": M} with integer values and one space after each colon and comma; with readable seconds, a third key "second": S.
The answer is {"hour": 11, "minute": 0}
